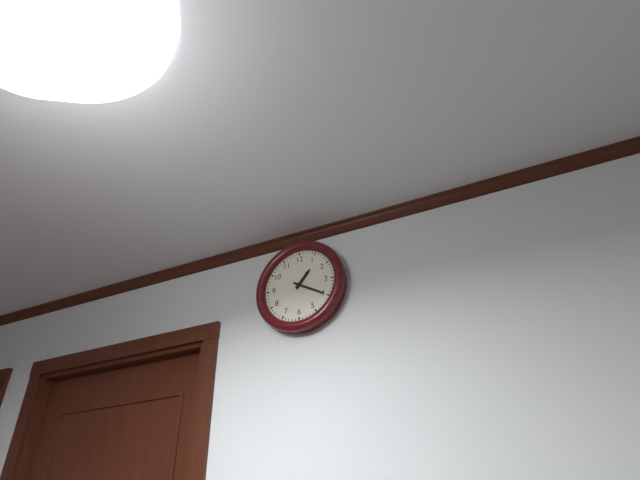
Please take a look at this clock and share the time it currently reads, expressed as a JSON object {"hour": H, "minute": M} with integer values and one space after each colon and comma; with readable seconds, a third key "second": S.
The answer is {"hour": 1, "minute": 20}
